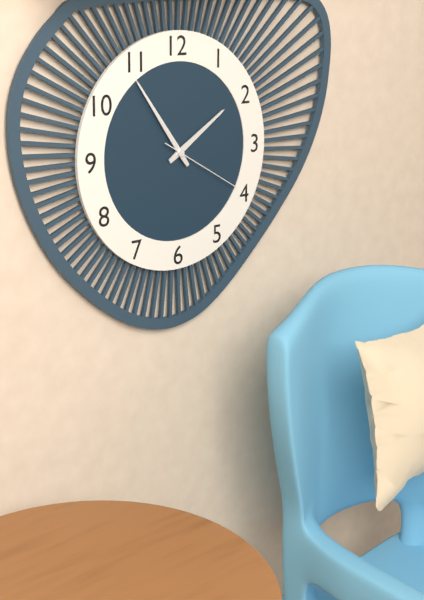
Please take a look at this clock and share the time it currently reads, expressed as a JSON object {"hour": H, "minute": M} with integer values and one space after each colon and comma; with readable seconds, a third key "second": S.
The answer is {"hour": 1, "minute": 54, "second": 20}
